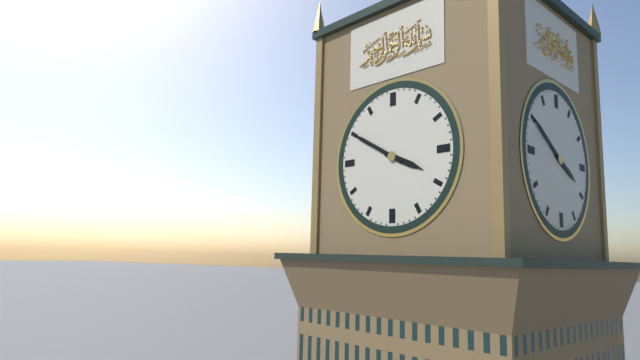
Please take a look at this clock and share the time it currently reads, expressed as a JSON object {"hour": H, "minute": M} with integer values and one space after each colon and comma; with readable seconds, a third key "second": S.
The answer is {"hour": 3, "minute": 50}
